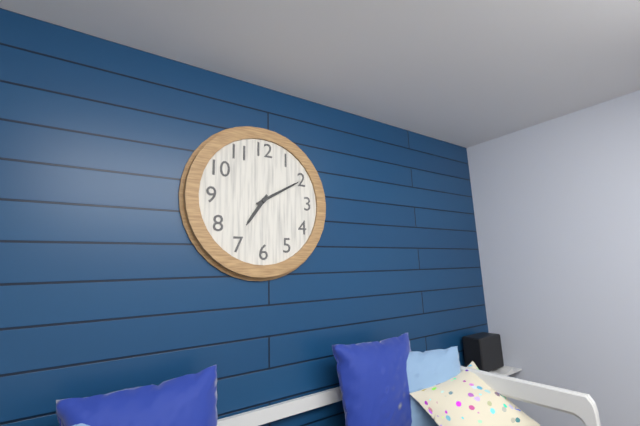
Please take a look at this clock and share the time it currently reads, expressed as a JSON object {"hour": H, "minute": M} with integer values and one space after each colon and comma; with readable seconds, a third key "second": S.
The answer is {"hour": 7, "minute": 10}
